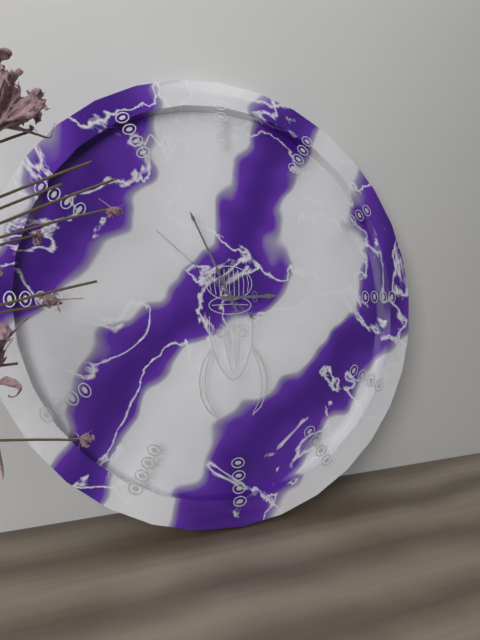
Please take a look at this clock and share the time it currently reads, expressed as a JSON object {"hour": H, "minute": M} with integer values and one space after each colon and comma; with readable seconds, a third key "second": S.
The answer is {"hour": 2, "minute": 56, "second": 52}
